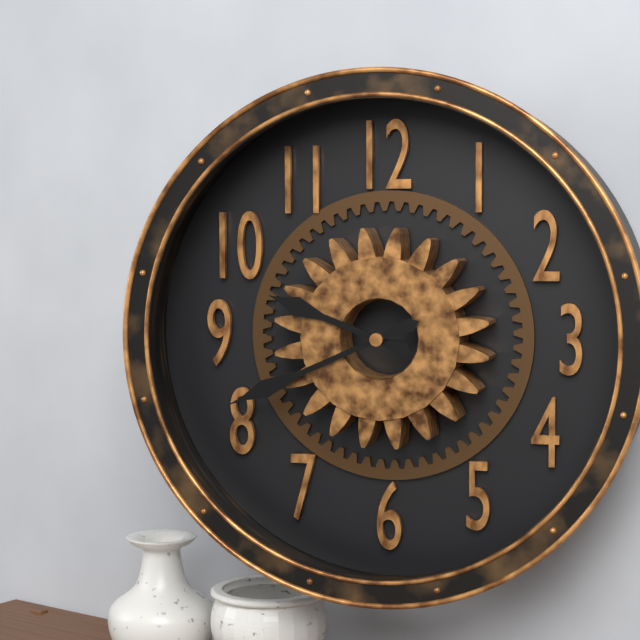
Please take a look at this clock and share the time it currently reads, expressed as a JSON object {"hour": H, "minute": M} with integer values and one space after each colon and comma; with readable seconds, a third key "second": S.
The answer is {"hour": 9, "minute": 41}
